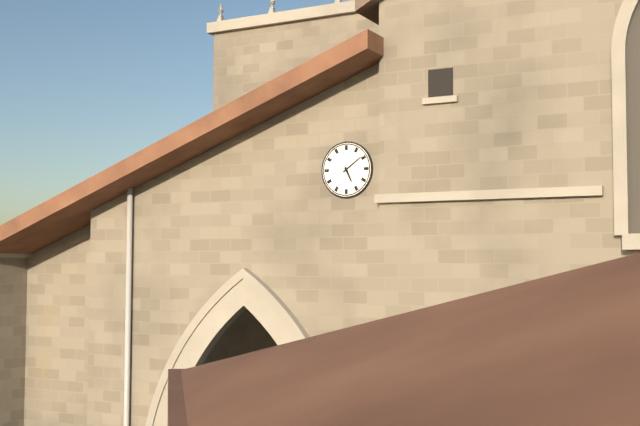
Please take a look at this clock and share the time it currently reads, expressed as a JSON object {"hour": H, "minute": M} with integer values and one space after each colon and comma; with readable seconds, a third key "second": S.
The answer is {"hour": 5, "minute": 9}
